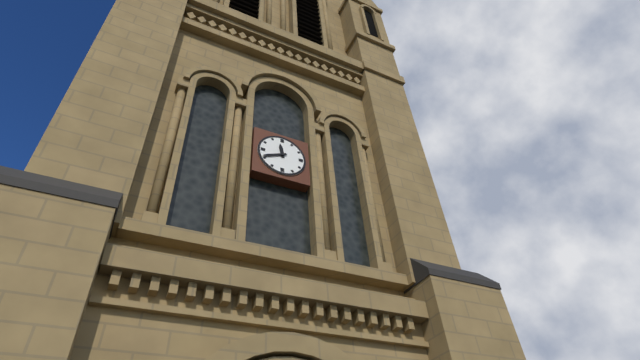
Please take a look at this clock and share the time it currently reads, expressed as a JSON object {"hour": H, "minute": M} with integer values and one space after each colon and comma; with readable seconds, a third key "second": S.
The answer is {"hour": 11, "minute": 41}
